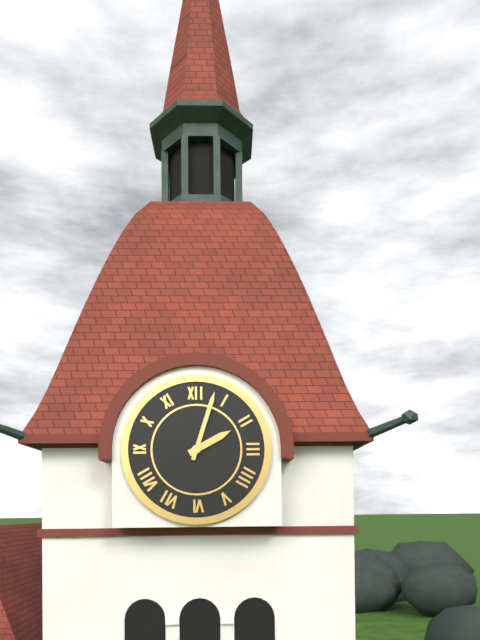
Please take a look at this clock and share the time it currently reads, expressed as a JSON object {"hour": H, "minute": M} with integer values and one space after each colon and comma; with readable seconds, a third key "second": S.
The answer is {"hour": 2, "minute": 3}
